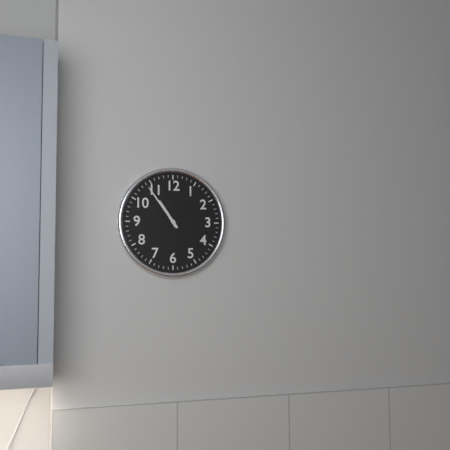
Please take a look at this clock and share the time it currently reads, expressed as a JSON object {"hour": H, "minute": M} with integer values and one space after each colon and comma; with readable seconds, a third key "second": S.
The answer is {"hour": 10, "minute": 54}
